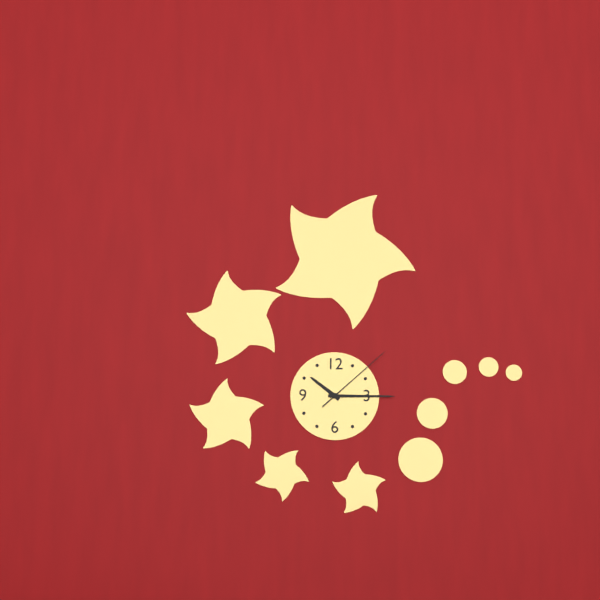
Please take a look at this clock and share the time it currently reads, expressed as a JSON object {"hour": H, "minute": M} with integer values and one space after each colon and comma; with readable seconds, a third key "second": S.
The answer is {"hour": 10, "minute": 15, "second": 8}
